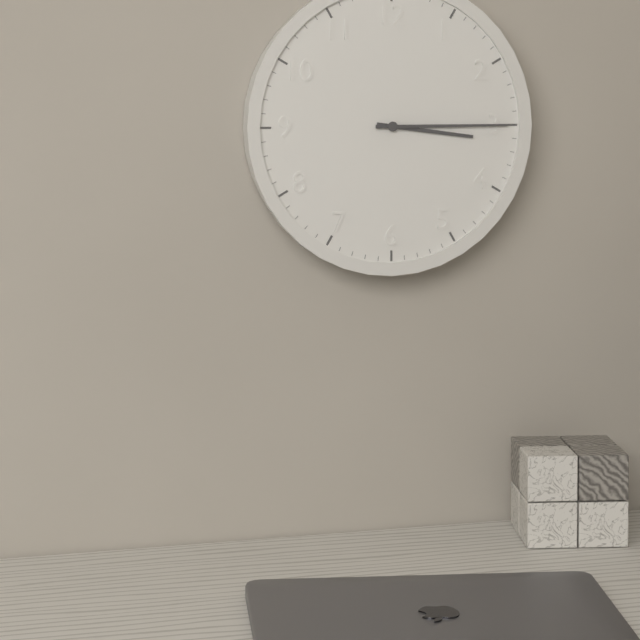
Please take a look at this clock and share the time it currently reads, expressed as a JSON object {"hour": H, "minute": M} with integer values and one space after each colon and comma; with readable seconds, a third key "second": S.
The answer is {"hour": 3, "minute": 15}
